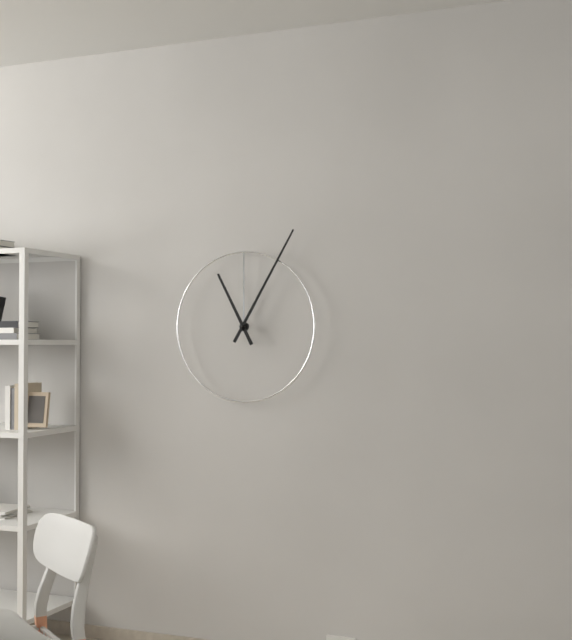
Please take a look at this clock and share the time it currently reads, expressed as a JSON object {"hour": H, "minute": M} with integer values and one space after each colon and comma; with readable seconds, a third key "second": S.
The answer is {"hour": 11, "minute": 5}
